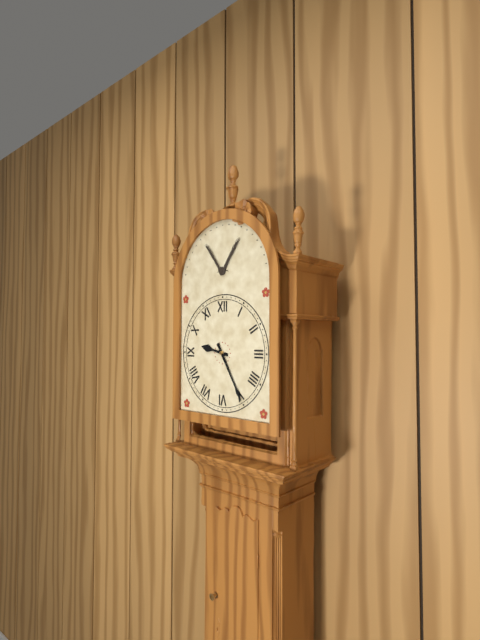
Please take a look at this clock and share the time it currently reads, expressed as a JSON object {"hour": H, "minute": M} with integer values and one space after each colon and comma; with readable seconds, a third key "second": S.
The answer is {"hour": 9, "minute": 25}
